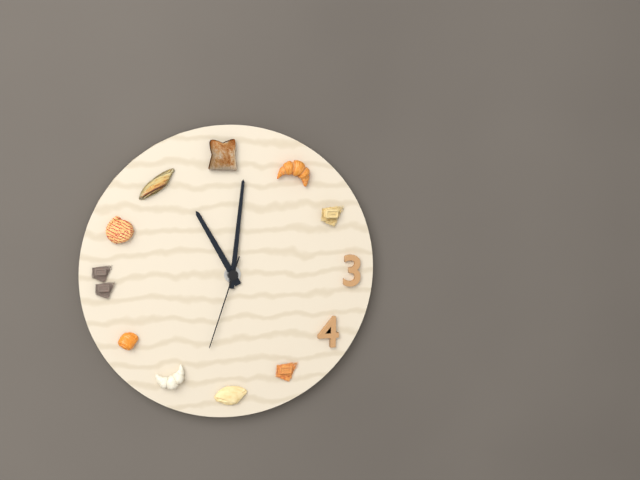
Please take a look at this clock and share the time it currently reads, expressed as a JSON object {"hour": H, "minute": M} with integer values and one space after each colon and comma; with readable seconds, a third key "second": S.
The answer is {"hour": 11, "minute": 1, "second": 33}
